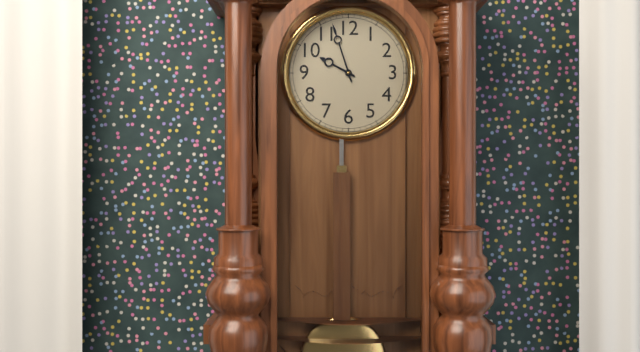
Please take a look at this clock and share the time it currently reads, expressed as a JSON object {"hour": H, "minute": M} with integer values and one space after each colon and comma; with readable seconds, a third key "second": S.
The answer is {"hour": 9, "minute": 57}
